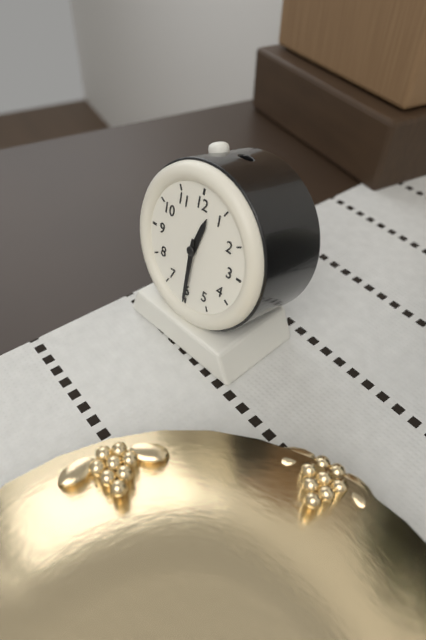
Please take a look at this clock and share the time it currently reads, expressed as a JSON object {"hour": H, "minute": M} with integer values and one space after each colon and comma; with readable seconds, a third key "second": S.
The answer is {"hour": 12, "minute": 30}
